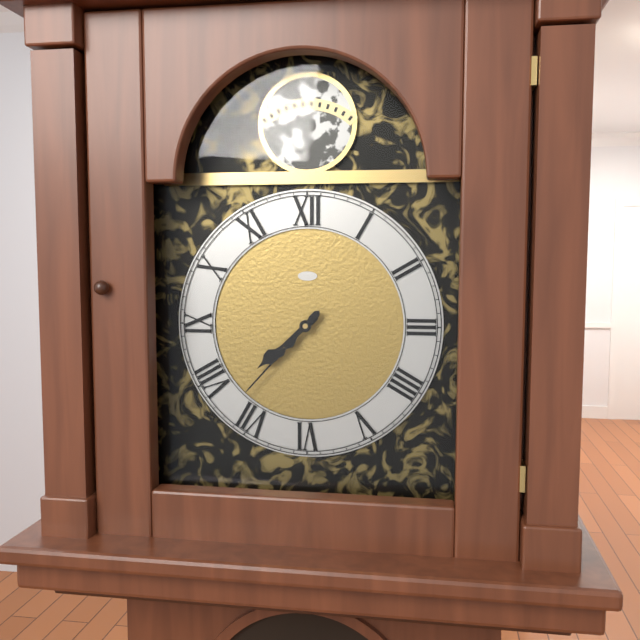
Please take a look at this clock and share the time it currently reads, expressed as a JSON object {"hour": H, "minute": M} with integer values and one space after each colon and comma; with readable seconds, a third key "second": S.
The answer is {"hour": 7, "minute": 37}
